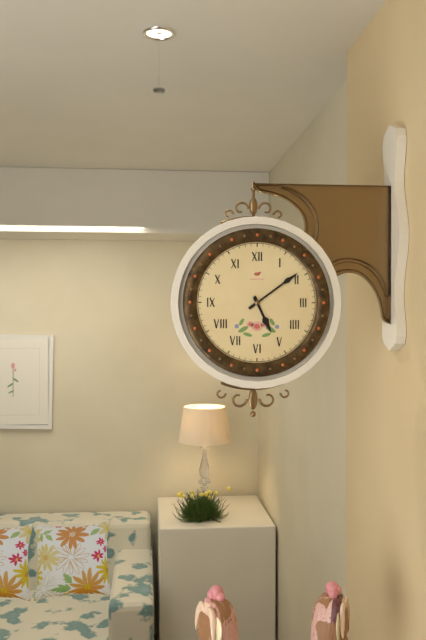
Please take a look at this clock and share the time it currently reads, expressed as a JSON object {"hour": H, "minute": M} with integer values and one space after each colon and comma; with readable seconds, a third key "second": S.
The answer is {"hour": 5, "minute": 9}
